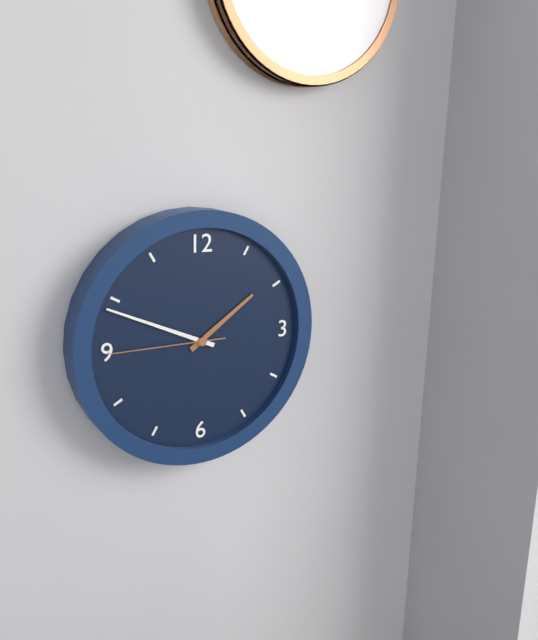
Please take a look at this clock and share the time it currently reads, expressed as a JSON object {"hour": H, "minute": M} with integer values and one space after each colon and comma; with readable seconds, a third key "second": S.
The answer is {"hour": 1, "minute": 49, "second": 45}
